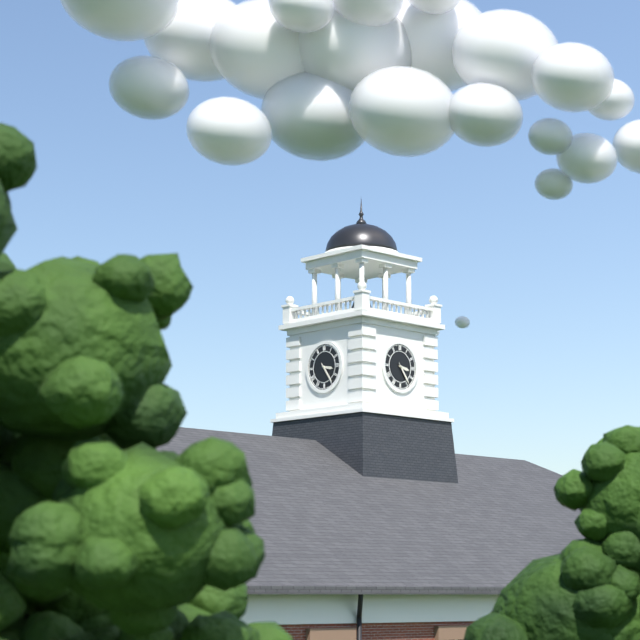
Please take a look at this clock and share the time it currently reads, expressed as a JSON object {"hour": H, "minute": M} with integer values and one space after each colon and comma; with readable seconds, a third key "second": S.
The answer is {"hour": 3, "minute": 24}
